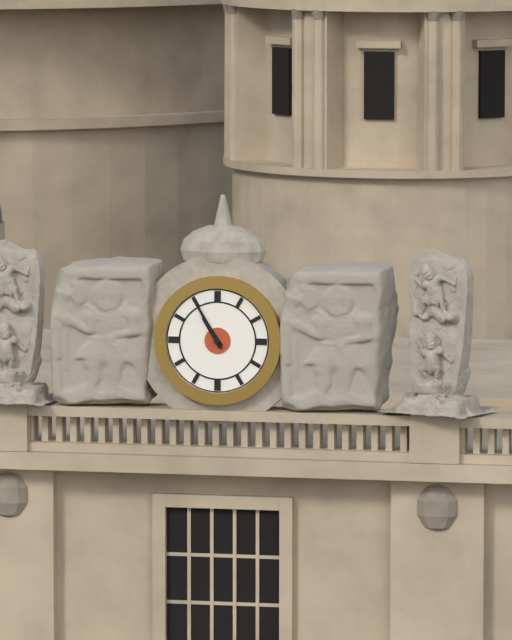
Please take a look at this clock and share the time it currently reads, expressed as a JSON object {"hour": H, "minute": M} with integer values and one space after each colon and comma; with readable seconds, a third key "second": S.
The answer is {"hour": 10, "minute": 55}
